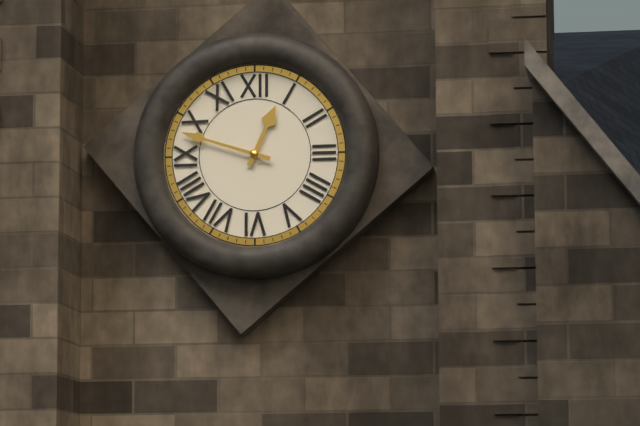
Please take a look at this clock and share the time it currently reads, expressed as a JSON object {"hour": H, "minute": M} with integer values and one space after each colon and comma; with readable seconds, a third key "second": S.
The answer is {"hour": 12, "minute": 48}
